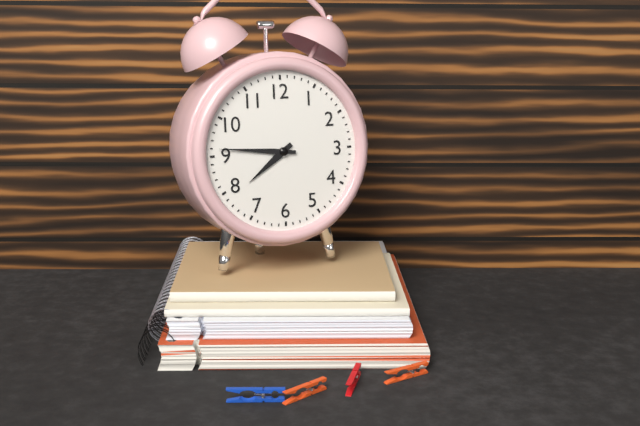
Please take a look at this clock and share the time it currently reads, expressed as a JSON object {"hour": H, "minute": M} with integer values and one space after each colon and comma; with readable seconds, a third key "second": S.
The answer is {"hour": 7, "minute": 46}
